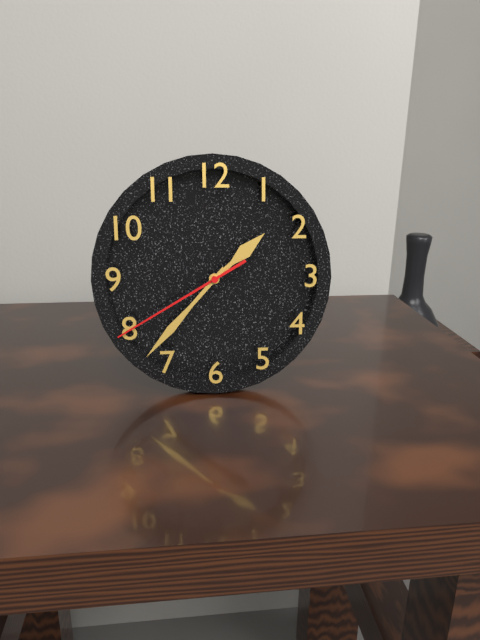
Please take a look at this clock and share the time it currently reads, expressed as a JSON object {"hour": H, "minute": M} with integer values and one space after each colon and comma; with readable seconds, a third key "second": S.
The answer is {"hour": 1, "minute": 37, "second": 40}
